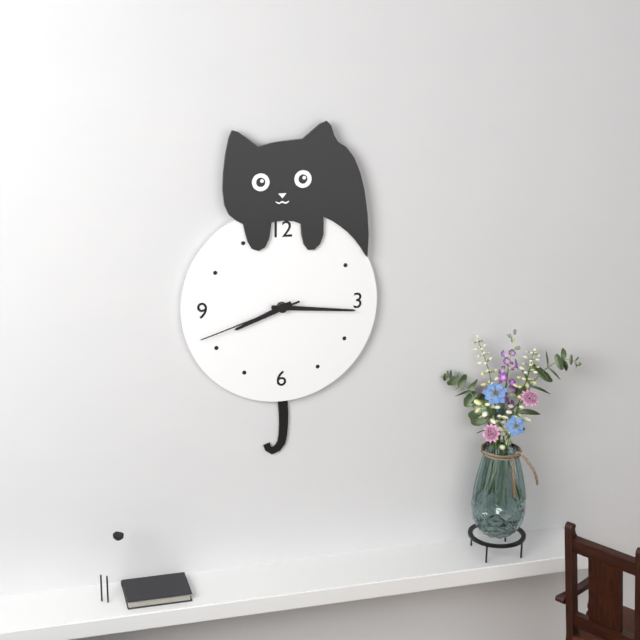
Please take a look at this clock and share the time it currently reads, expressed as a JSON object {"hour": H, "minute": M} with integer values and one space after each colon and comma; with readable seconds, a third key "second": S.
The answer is {"hour": 8, "minute": 16, "second": 42}
